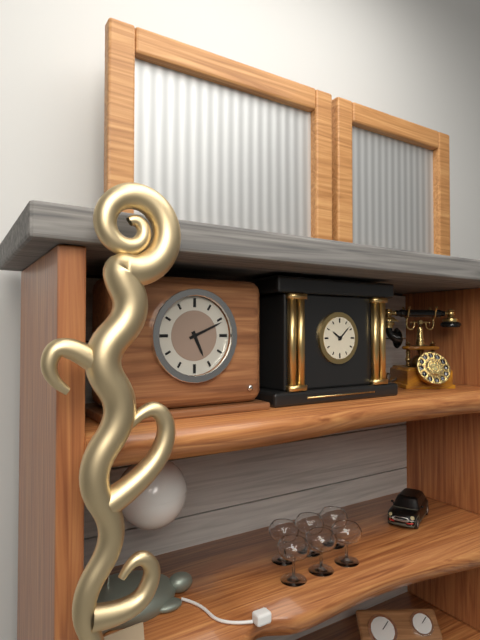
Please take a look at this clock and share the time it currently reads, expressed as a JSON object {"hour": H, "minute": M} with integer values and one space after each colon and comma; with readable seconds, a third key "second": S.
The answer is {"hour": 5, "minute": 11}
